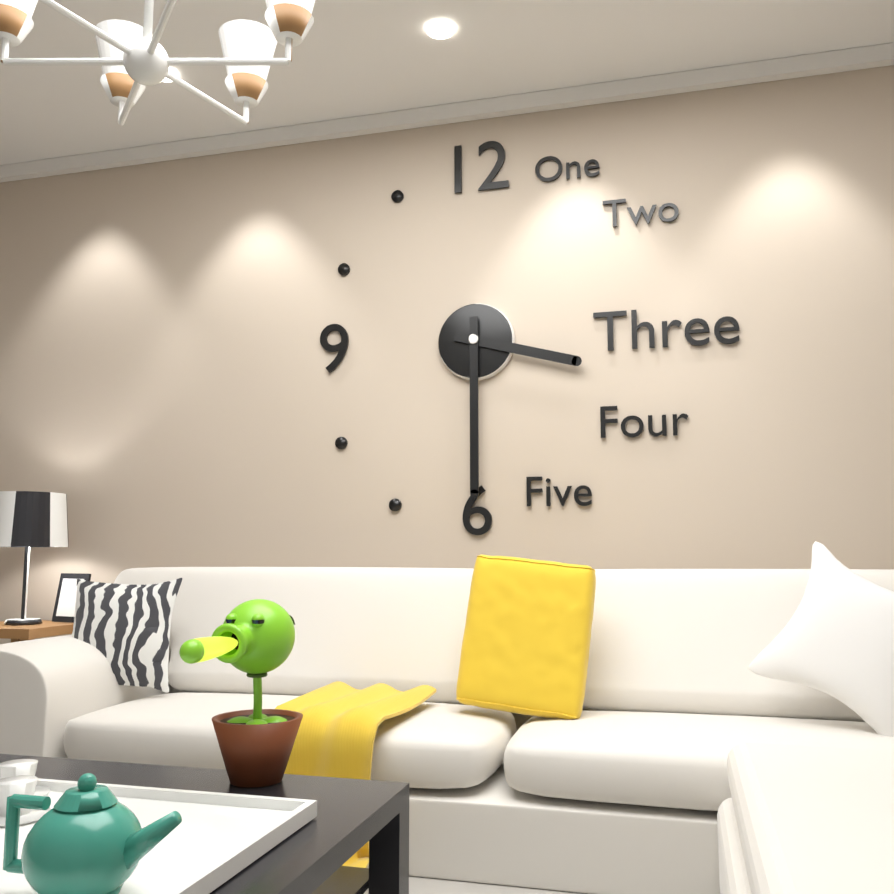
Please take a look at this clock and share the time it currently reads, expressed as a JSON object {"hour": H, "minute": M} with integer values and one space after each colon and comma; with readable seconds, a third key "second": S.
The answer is {"hour": 3, "minute": 30}
